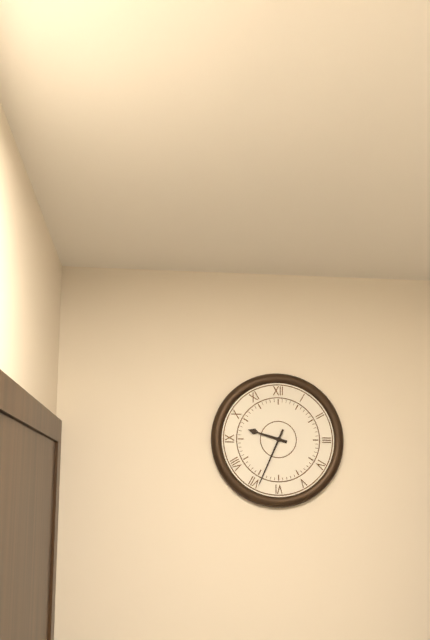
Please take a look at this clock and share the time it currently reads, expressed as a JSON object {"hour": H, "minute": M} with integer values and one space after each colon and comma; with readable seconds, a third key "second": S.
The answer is {"hour": 9, "minute": 34}
